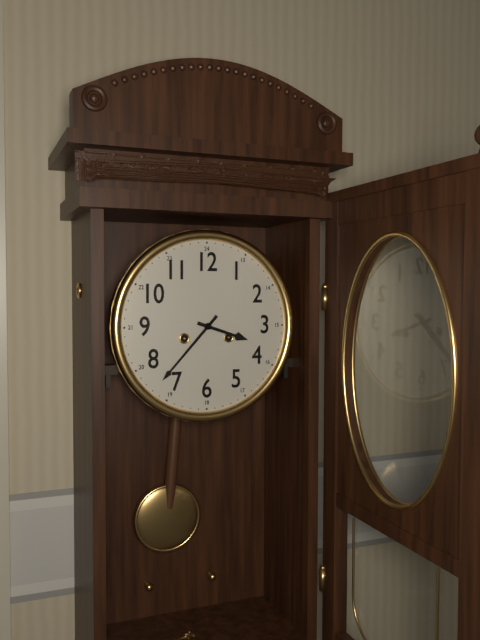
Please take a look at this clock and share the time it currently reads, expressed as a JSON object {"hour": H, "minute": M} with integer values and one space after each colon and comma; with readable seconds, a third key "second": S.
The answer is {"hour": 3, "minute": 37}
